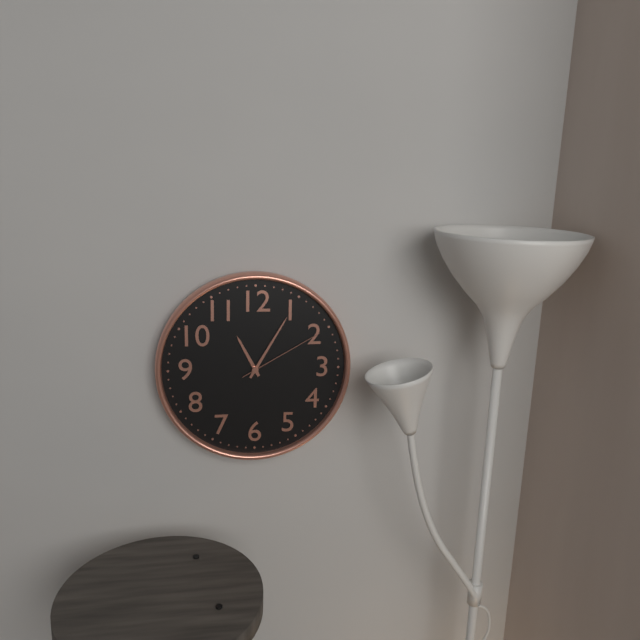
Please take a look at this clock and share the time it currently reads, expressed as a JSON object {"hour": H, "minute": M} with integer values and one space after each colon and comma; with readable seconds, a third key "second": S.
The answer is {"hour": 11, "minute": 5, "second": 10}
